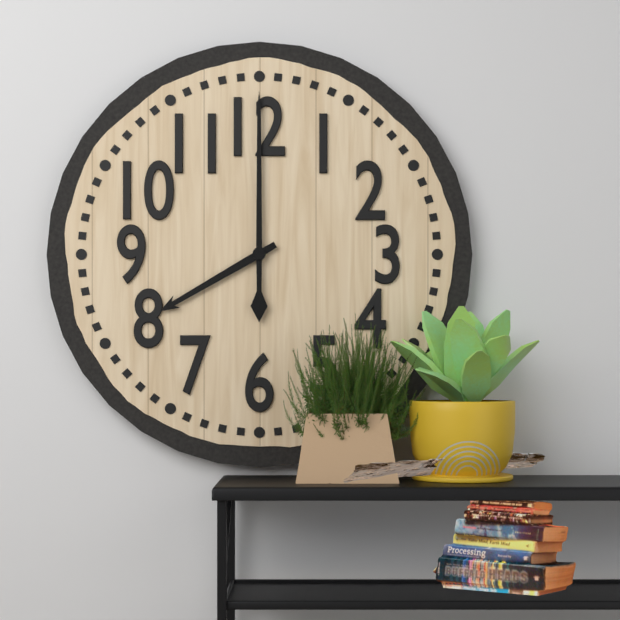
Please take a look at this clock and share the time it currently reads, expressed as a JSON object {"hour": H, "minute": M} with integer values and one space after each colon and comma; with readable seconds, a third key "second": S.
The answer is {"hour": 8, "minute": 0}
